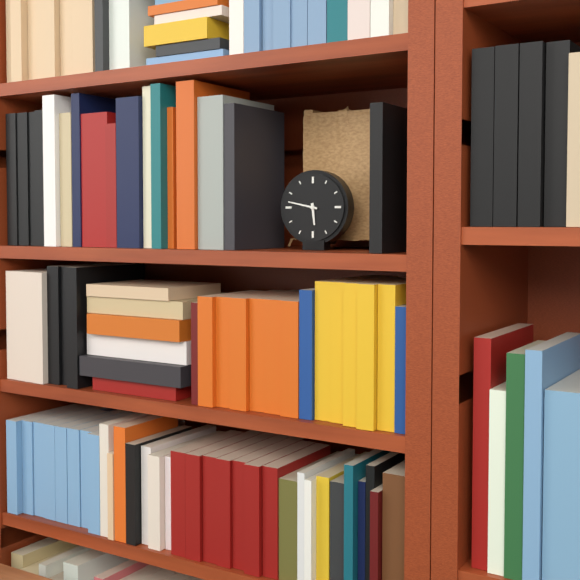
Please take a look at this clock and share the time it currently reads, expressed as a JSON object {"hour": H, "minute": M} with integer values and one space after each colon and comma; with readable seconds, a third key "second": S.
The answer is {"hour": 5, "minute": 47}
